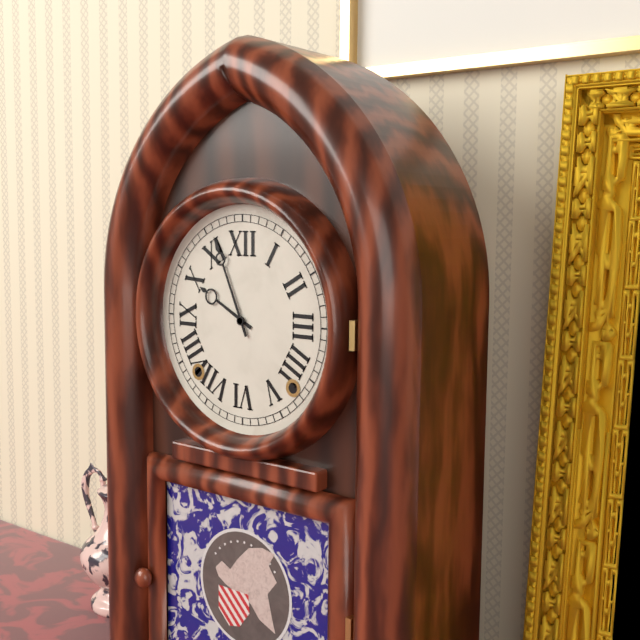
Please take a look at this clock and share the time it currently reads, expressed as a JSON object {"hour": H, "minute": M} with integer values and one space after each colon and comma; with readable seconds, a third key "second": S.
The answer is {"hour": 9, "minute": 56}
